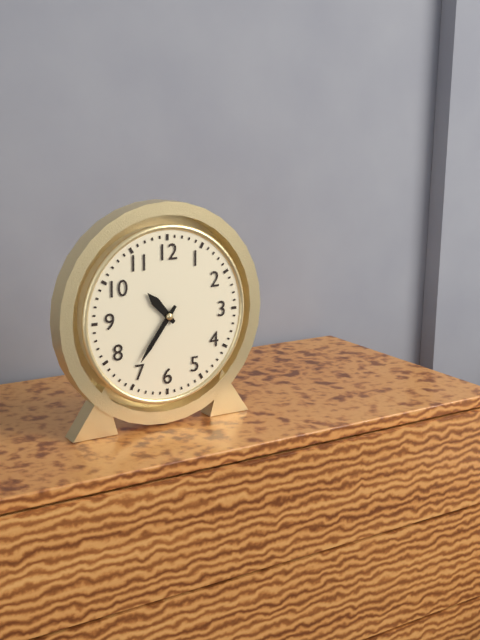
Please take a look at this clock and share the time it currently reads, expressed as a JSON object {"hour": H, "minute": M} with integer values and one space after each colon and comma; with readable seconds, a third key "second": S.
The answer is {"hour": 10, "minute": 36}
